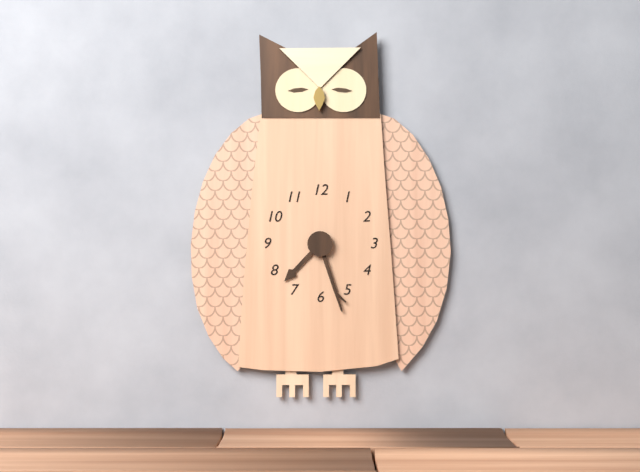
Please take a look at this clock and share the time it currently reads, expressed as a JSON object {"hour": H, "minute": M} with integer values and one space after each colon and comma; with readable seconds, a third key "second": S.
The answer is {"hour": 7, "minute": 27}
